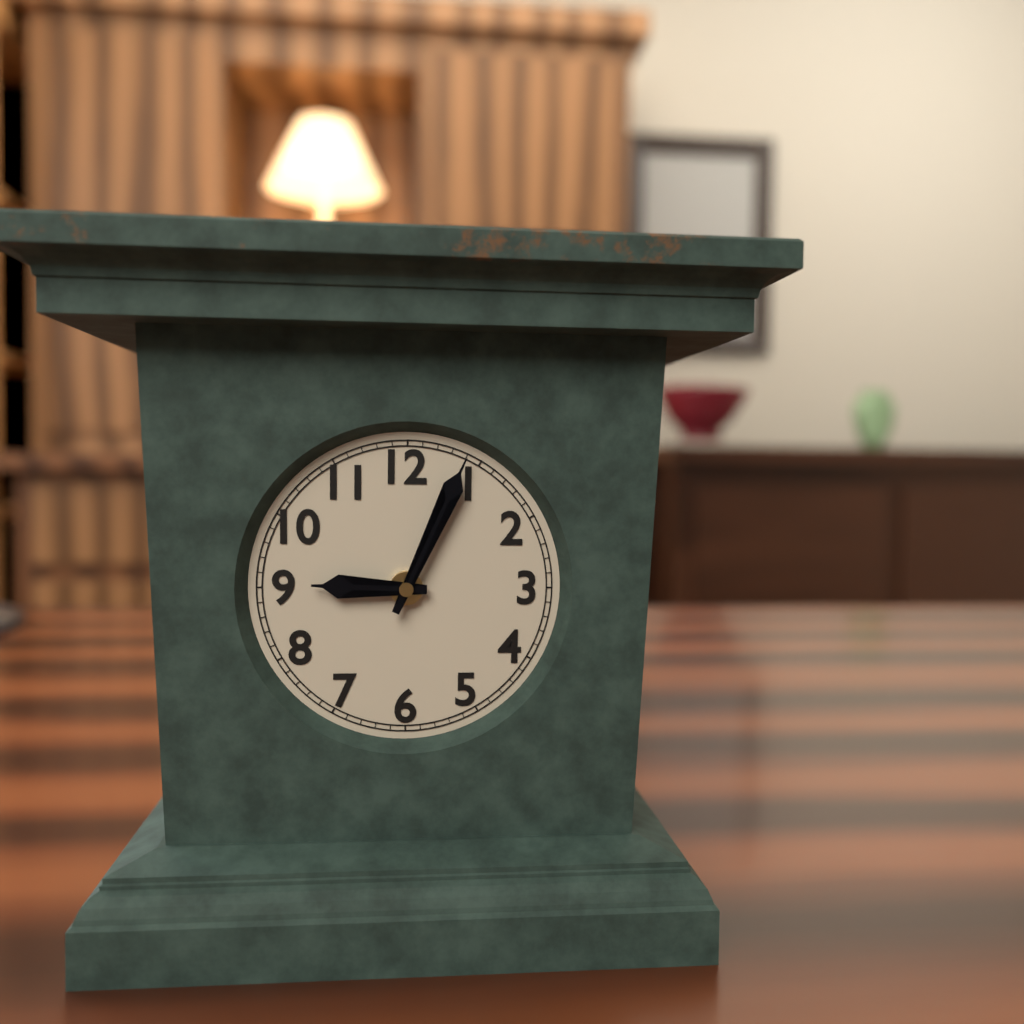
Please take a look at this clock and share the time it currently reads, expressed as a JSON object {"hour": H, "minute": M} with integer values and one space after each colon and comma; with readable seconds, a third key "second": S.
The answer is {"hour": 9, "minute": 4}
